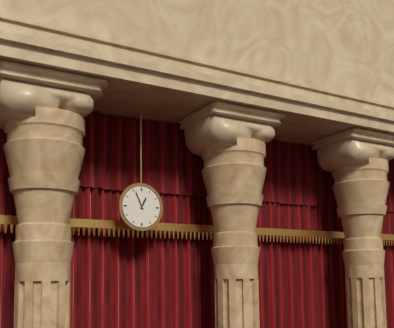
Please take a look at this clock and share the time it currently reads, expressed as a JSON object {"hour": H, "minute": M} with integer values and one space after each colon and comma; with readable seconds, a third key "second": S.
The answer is {"hour": 12, "minute": 56}
